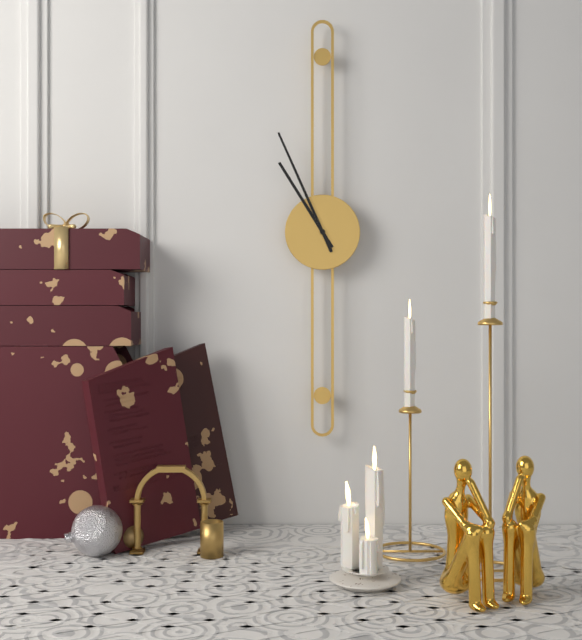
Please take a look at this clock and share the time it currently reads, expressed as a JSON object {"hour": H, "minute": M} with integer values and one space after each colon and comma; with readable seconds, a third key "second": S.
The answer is {"hour": 10, "minute": 56}
